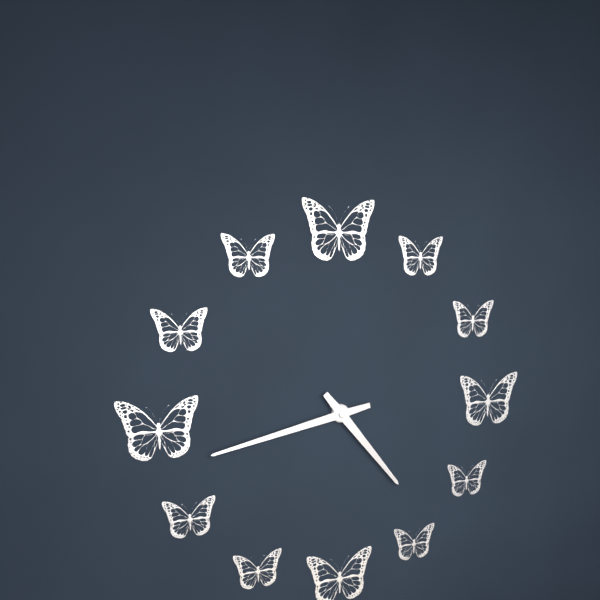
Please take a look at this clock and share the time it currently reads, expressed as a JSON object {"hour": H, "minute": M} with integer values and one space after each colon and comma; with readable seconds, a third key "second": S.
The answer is {"hour": 4, "minute": 43}
